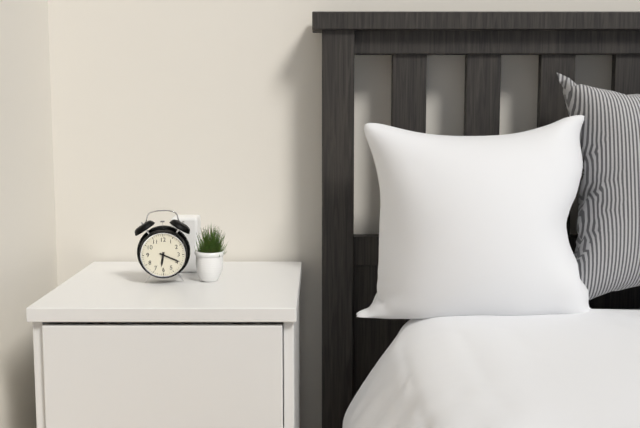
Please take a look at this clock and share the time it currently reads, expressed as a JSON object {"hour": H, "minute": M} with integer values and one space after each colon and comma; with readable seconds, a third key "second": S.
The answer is {"hour": 6, "minute": 19}
